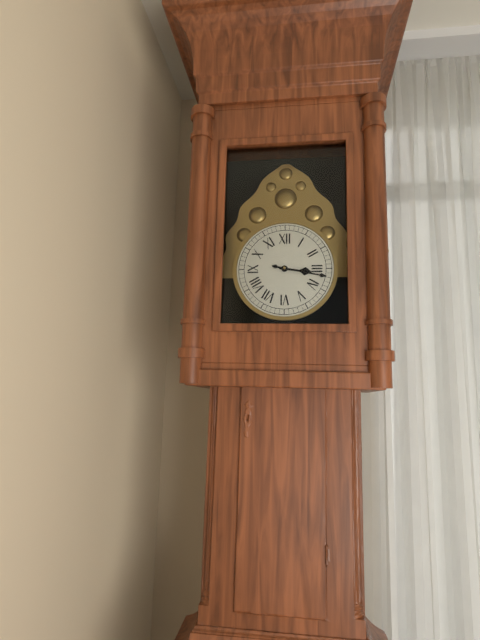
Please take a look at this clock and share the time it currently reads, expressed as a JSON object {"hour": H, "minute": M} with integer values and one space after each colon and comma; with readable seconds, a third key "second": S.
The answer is {"hour": 3, "minute": 17}
